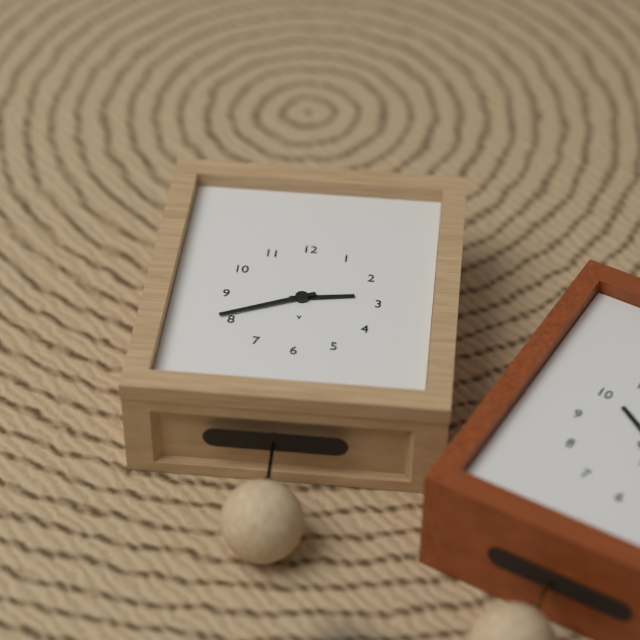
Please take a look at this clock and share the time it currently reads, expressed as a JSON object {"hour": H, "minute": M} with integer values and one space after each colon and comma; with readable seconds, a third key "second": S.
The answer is {"hour": 2, "minute": 41}
